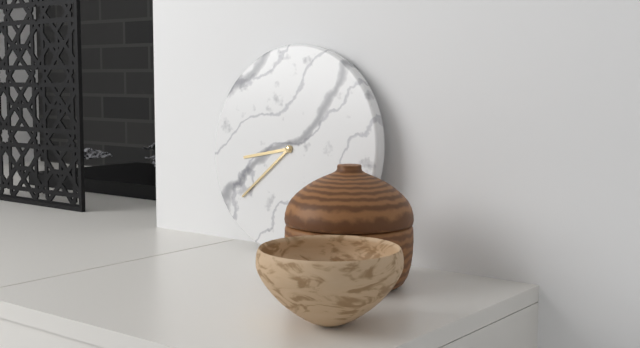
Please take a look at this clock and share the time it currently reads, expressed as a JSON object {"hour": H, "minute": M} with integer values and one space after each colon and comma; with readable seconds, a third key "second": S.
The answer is {"hour": 8, "minute": 38}
